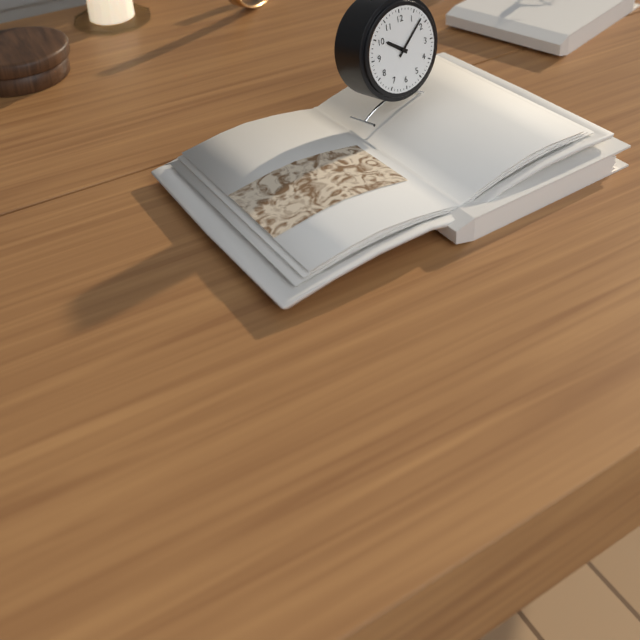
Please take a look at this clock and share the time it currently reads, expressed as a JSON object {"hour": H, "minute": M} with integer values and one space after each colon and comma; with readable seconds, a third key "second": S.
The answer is {"hour": 10, "minute": 8}
